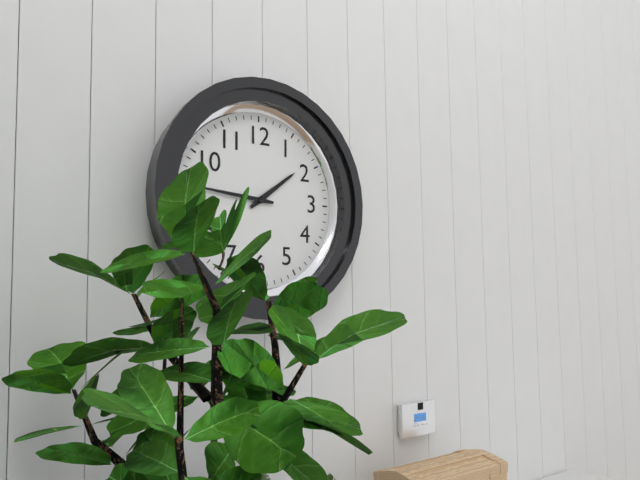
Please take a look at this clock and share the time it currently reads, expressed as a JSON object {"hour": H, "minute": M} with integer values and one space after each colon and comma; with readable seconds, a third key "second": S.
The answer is {"hour": 1, "minute": 46}
